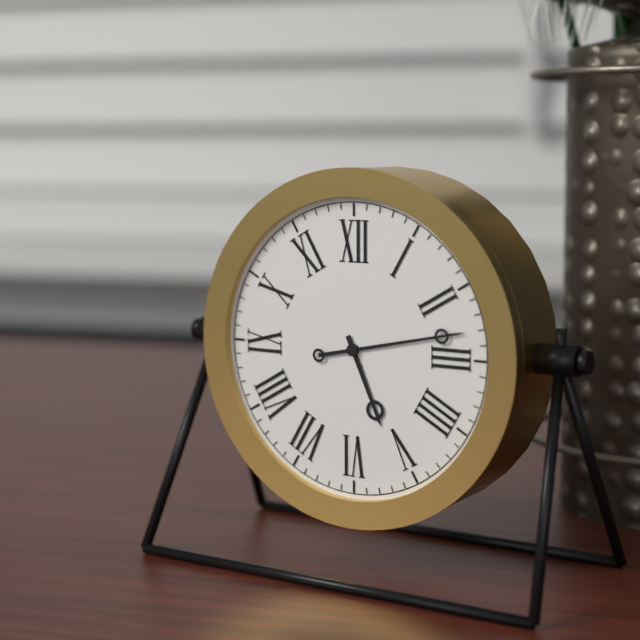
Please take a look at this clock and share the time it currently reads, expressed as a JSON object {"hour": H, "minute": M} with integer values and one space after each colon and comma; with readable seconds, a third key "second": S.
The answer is {"hour": 5, "minute": 13}
